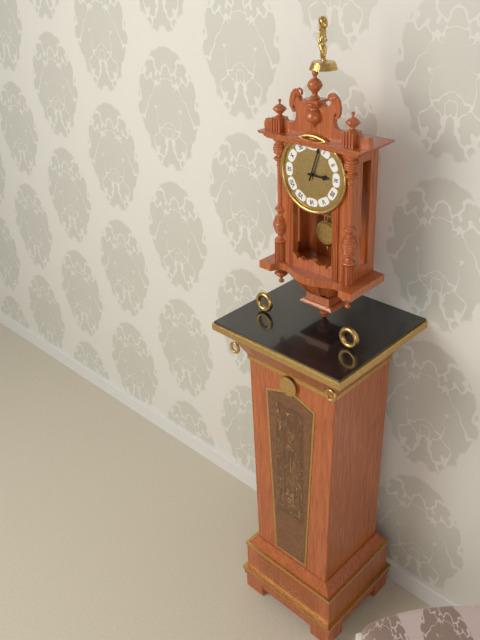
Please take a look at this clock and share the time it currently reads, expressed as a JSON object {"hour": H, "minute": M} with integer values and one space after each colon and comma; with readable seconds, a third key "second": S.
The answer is {"hour": 3, "minute": 3}
